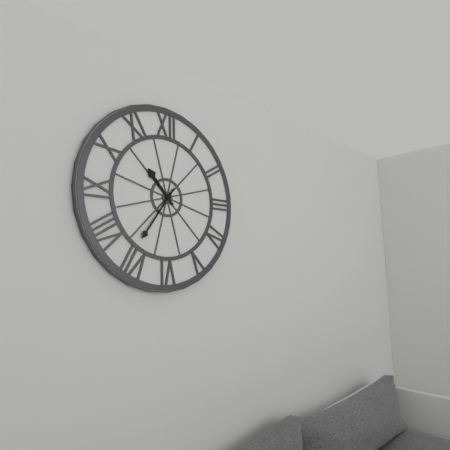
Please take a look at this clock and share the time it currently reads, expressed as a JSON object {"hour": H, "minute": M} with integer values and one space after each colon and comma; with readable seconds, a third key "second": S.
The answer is {"hour": 10, "minute": 36}
